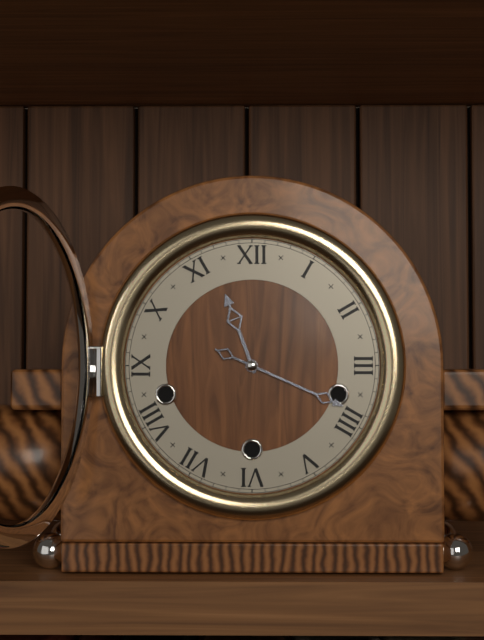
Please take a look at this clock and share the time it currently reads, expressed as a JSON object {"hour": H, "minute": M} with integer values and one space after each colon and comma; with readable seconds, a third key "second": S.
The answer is {"hour": 11, "minute": 19}
